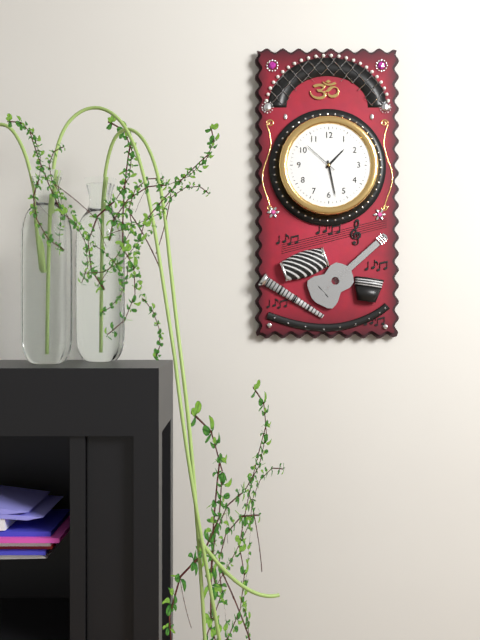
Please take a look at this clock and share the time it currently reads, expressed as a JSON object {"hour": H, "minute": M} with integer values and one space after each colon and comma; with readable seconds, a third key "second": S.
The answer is {"hour": 1, "minute": 28}
